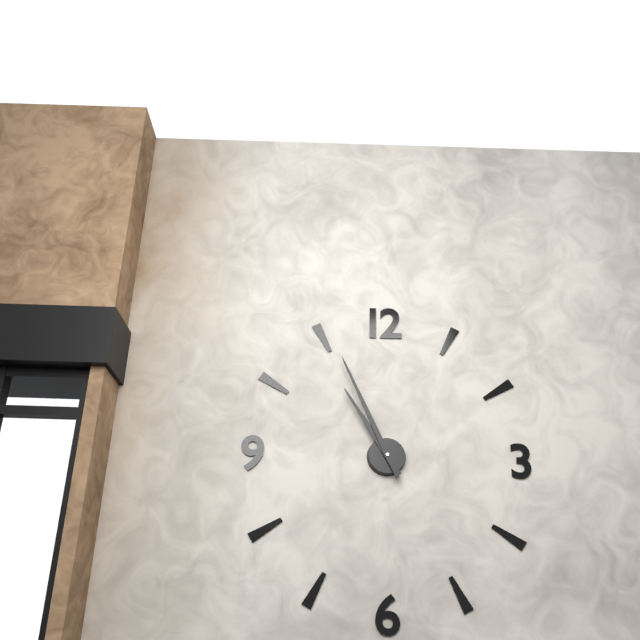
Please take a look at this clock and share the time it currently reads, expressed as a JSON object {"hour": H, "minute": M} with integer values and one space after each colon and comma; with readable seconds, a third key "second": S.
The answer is {"hour": 10, "minute": 56}
